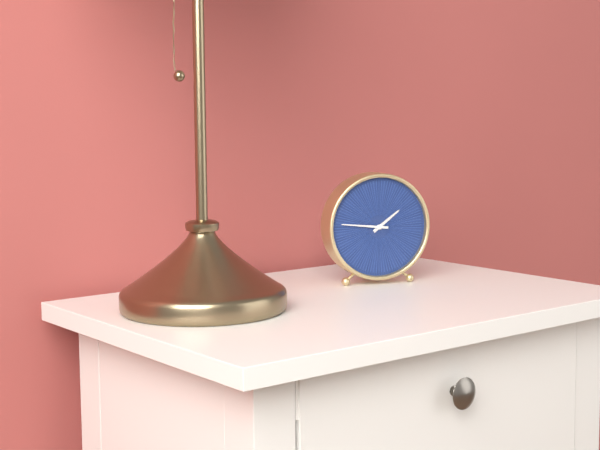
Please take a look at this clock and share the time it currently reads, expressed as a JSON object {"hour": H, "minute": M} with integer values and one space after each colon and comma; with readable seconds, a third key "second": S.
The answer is {"hour": 1, "minute": 46}
